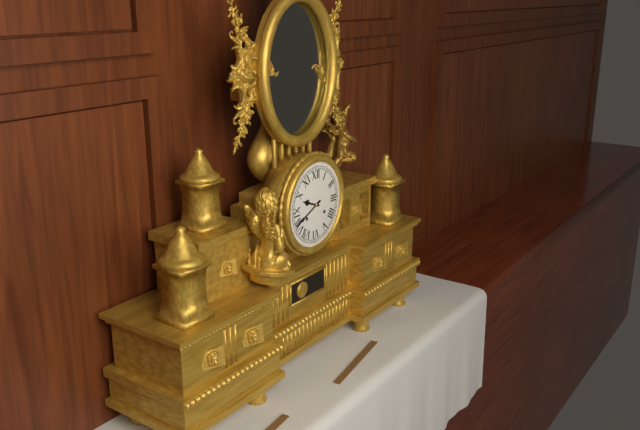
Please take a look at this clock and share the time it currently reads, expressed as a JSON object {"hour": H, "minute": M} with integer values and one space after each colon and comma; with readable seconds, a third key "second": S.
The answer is {"hour": 9, "minute": 41}
